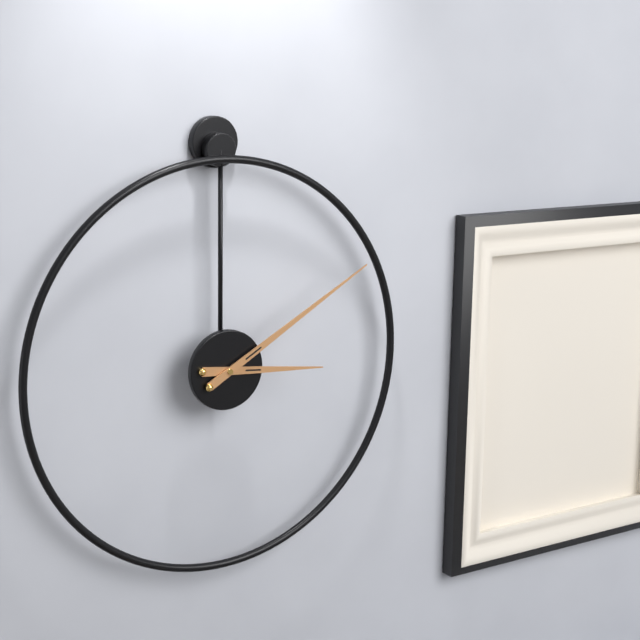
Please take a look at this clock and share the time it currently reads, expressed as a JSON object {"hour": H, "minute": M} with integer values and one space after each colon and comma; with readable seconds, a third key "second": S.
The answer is {"hour": 3, "minute": 10}
